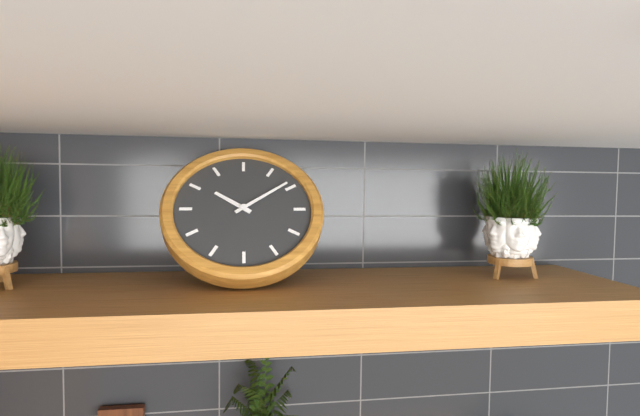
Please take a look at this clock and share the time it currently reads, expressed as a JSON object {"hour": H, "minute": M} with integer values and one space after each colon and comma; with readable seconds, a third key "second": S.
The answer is {"hour": 10, "minute": 9}
